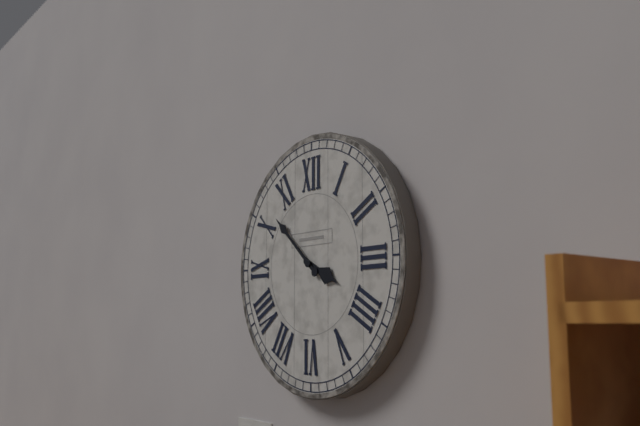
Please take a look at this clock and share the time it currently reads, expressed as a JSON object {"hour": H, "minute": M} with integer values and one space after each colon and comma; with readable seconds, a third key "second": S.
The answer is {"hour": 3, "minute": 52}
